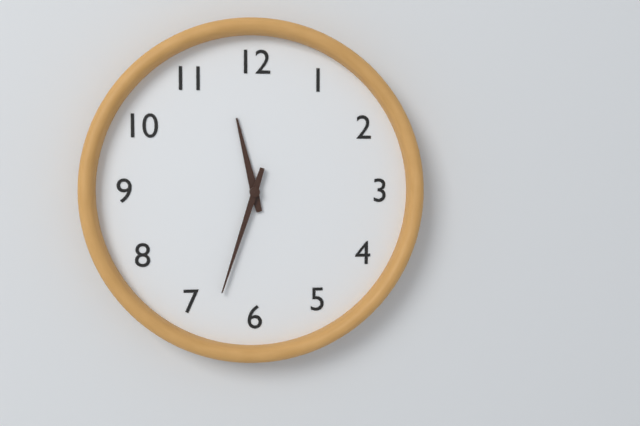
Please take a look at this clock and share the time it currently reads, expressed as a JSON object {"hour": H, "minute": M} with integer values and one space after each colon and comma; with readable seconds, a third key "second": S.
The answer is {"hour": 11, "minute": 33}
